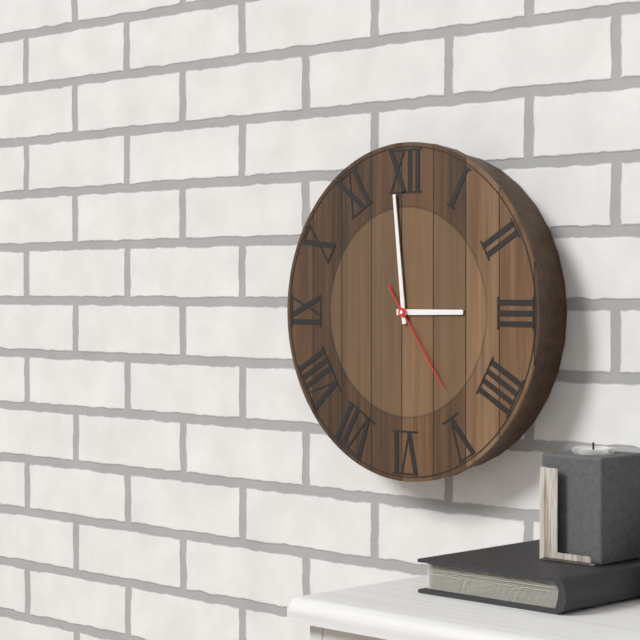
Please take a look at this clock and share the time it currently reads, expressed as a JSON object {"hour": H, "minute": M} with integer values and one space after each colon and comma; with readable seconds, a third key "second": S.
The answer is {"hour": 2, "minute": 59, "second": 24}
